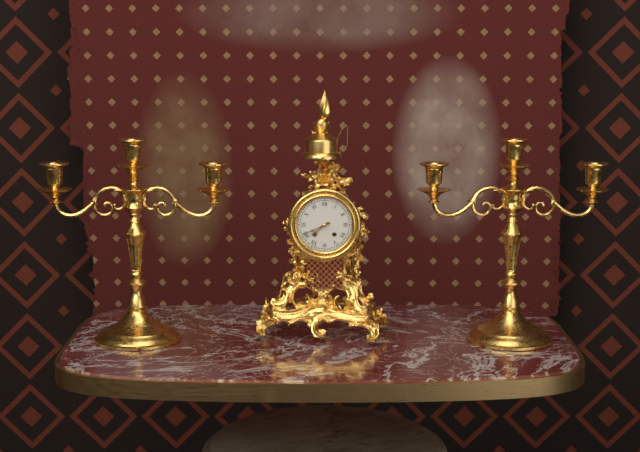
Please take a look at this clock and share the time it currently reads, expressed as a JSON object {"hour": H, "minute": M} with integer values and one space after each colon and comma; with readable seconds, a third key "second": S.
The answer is {"hour": 7, "minute": 41}
